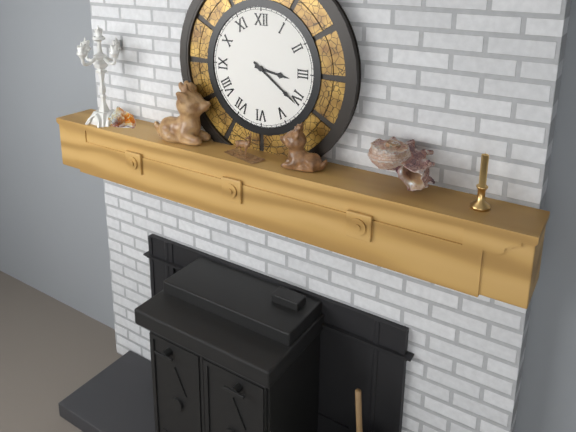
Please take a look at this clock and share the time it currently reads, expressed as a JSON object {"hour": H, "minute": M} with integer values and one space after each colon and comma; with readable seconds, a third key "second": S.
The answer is {"hour": 3, "minute": 21}
